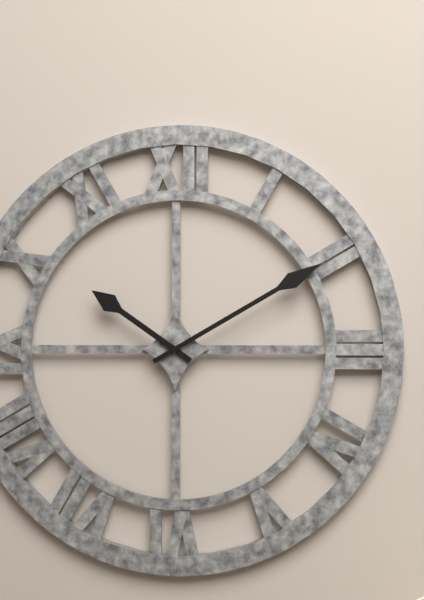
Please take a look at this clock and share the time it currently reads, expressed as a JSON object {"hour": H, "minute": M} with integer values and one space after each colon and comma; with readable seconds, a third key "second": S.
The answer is {"hour": 10, "minute": 10}
